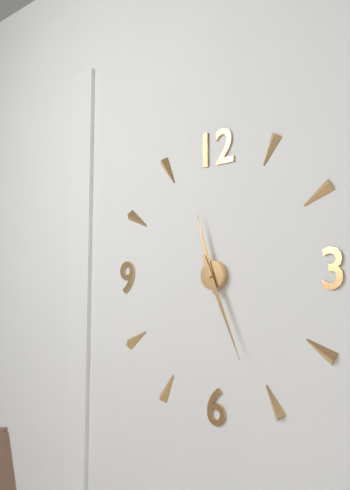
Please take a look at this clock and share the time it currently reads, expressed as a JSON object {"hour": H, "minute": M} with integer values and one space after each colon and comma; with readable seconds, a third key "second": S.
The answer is {"hour": 11, "minute": 26}
